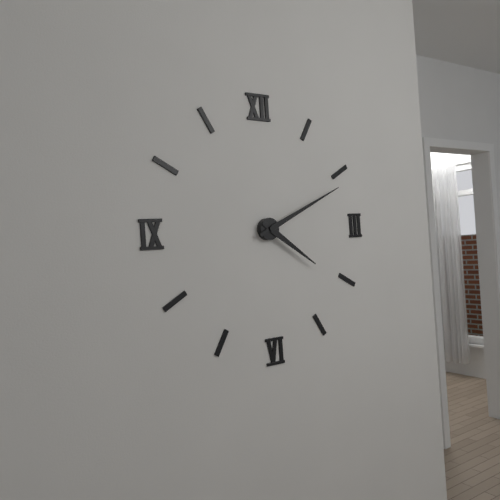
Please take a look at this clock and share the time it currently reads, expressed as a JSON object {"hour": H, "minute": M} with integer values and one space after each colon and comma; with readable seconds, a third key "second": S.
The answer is {"hour": 4, "minute": 11}
